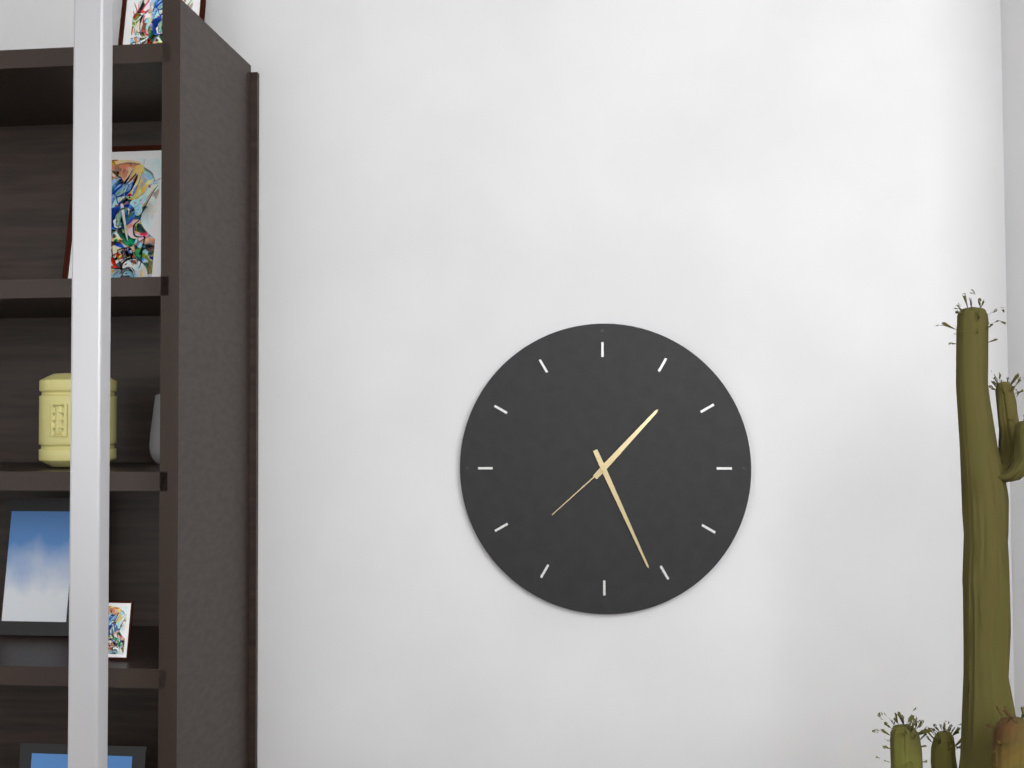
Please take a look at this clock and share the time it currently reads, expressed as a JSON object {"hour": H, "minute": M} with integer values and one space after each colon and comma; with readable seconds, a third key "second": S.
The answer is {"hour": 1, "minute": 26, "second": 38}
